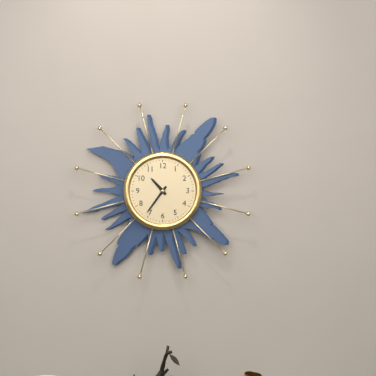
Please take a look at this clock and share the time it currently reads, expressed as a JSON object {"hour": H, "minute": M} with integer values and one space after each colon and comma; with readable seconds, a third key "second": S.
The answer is {"hour": 10, "minute": 36}
